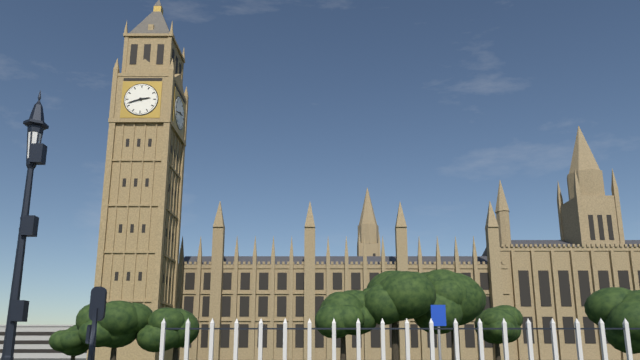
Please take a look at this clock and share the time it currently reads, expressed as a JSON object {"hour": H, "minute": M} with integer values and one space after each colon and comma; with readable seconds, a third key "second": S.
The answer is {"hour": 2, "minute": 42}
